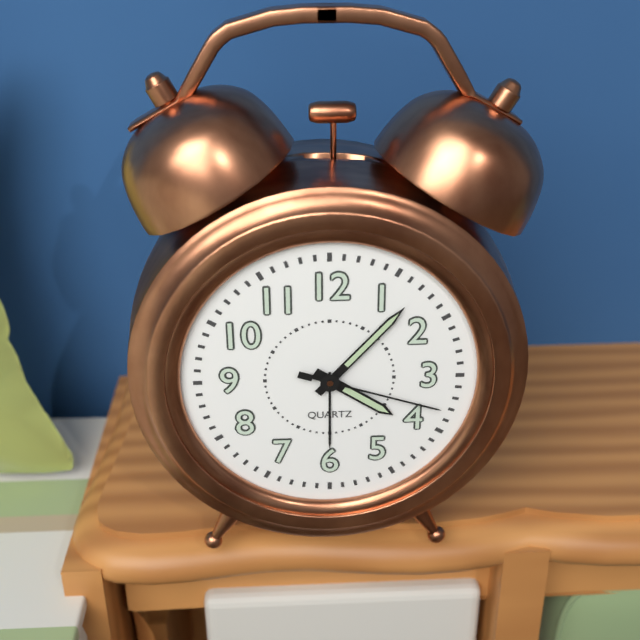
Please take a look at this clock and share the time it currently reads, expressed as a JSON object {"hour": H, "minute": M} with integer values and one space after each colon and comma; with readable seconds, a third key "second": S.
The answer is {"hour": 4, "minute": 7, "second": 18}
